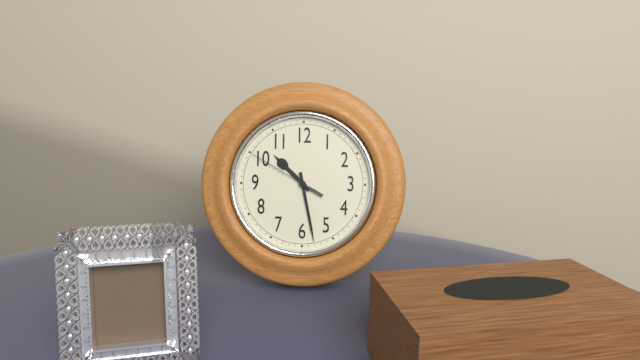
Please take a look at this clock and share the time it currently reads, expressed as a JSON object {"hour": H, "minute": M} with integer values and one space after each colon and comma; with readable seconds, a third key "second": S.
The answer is {"hour": 10, "minute": 28, "second": 50}
